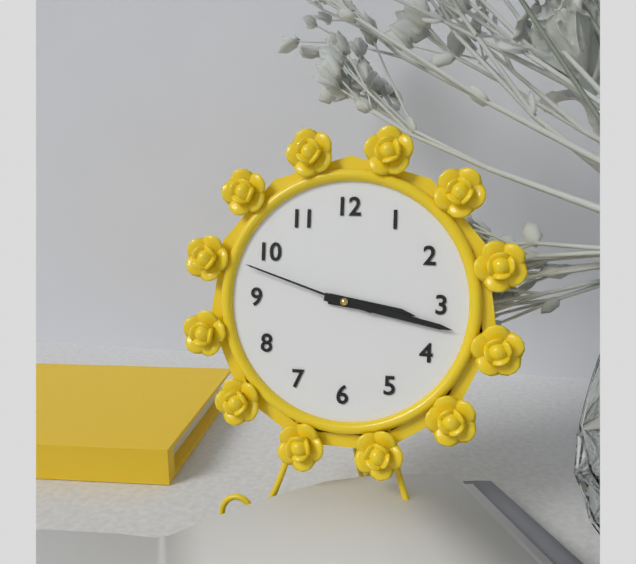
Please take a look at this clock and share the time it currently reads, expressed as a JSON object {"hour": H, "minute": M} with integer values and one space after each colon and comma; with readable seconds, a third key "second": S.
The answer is {"hour": 3, "minute": 17, "second": 48}
